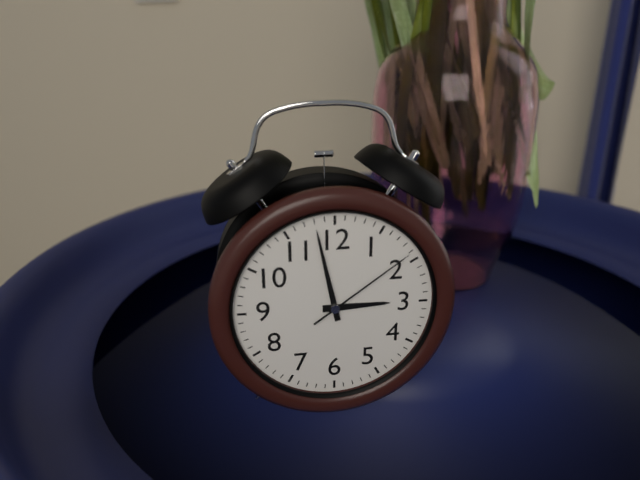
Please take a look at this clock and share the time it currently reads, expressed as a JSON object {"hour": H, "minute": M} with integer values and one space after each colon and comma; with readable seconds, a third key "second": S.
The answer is {"hour": 2, "minute": 58, "second": 9}
